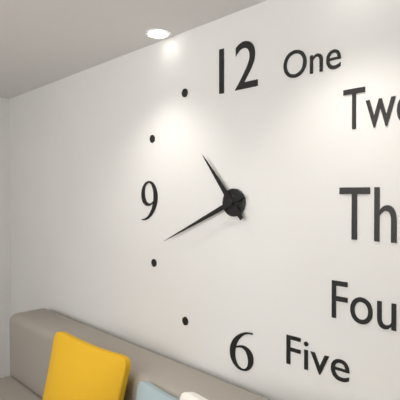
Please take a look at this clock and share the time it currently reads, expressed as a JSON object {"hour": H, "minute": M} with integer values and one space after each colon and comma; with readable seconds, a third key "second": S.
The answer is {"hour": 10, "minute": 41}
